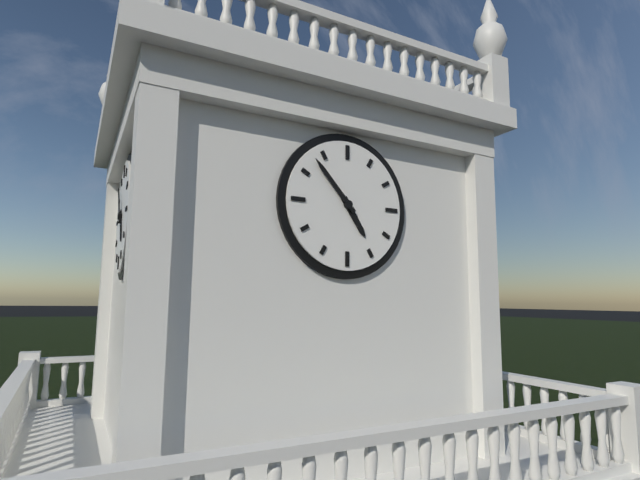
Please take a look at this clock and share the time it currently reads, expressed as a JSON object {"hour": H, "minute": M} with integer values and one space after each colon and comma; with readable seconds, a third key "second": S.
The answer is {"hour": 4, "minute": 53}
